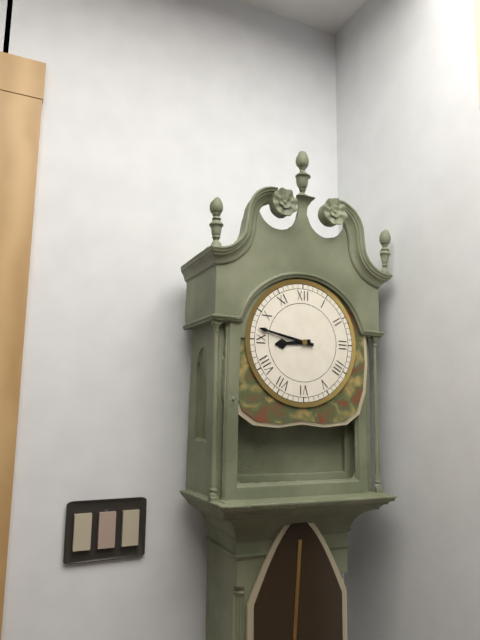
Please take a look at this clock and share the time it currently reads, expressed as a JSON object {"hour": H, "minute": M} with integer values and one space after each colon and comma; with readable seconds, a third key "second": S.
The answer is {"hour": 8, "minute": 47}
